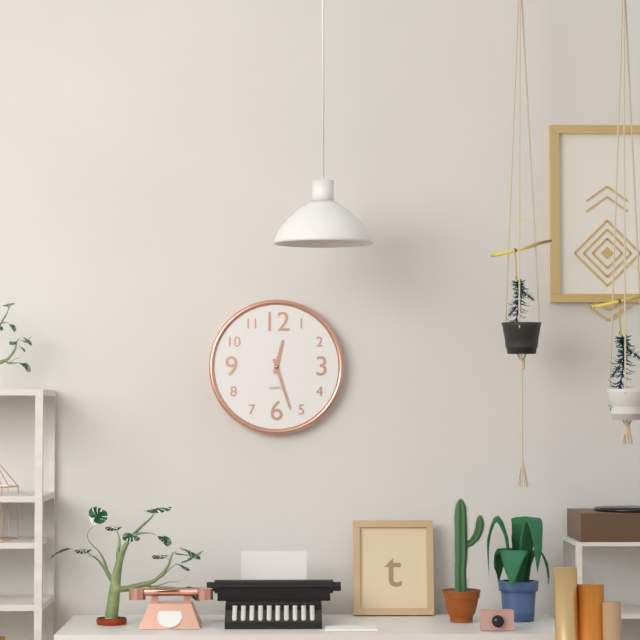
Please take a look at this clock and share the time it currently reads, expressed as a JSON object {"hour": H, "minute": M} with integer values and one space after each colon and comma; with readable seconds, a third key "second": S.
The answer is {"hour": 12, "minute": 27}
